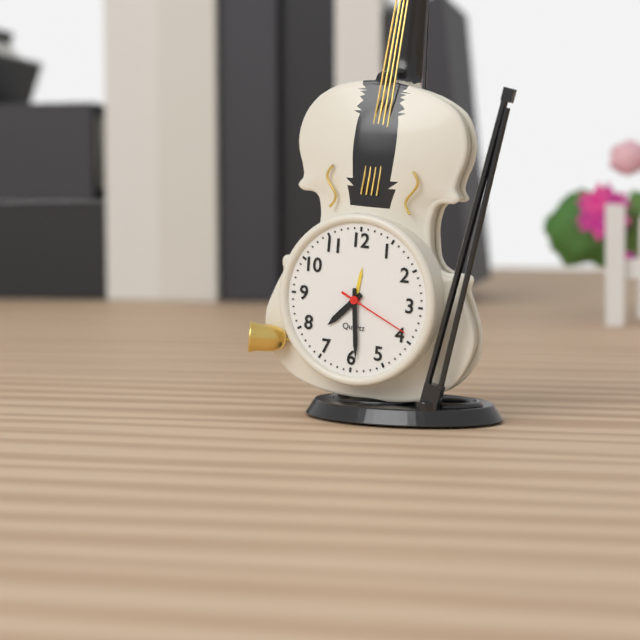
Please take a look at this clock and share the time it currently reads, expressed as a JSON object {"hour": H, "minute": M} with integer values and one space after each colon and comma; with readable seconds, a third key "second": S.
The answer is {"hour": 7, "minute": 29, "second": 19}
